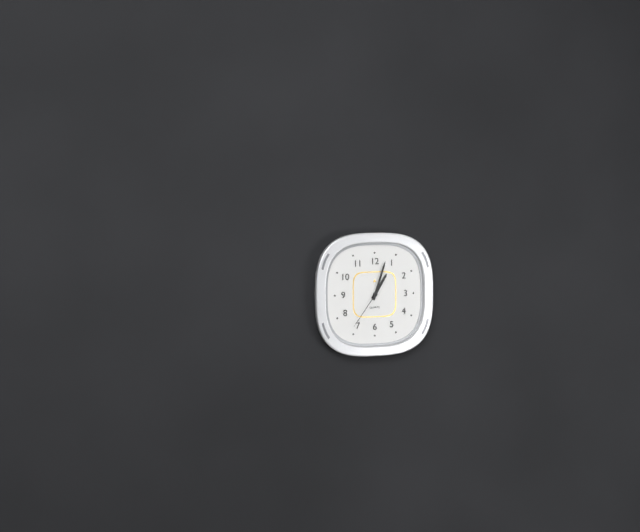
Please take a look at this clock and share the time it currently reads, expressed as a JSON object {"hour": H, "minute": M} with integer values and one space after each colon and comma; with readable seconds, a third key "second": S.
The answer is {"hour": 1, "minute": 3}
